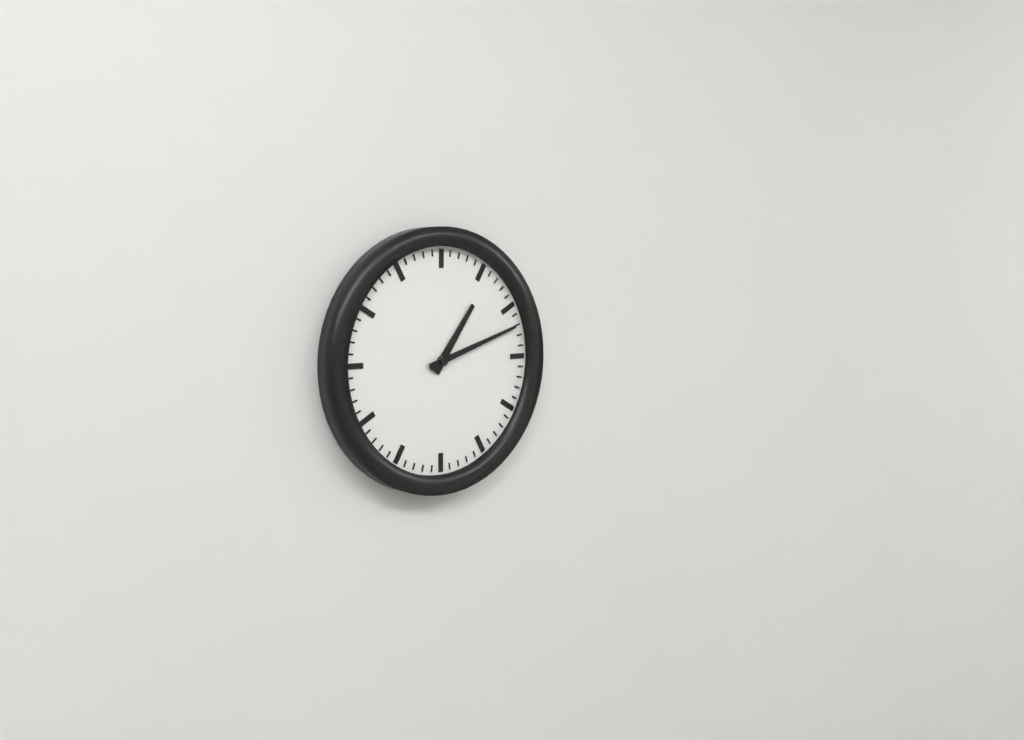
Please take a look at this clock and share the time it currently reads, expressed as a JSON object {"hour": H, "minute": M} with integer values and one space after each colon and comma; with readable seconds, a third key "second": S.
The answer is {"hour": 1, "minute": 12}
